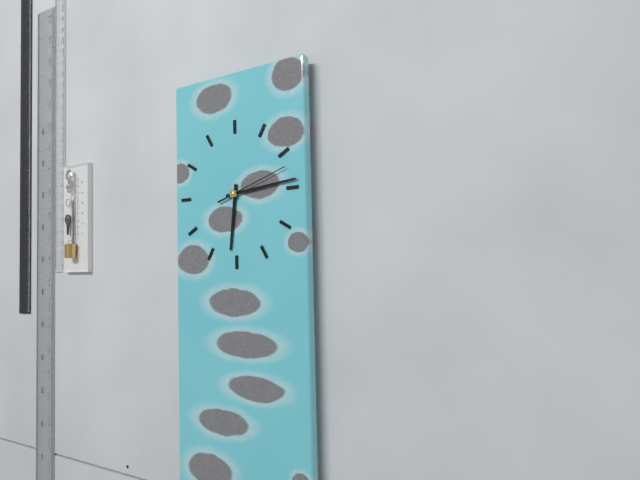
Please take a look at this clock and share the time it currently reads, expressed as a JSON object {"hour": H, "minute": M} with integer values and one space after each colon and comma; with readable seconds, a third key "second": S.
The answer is {"hour": 6, "minute": 14, "second": 12}
